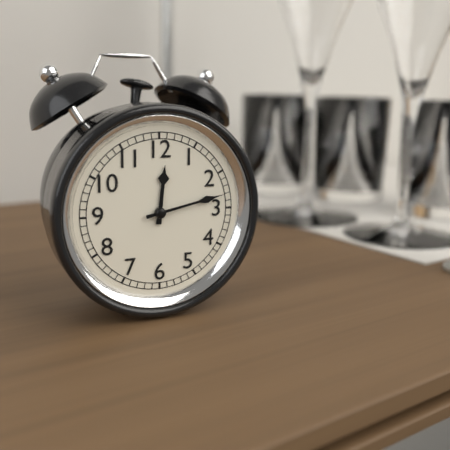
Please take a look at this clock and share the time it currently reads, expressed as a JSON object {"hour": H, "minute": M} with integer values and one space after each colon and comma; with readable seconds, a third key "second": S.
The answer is {"hour": 12, "minute": 13}
